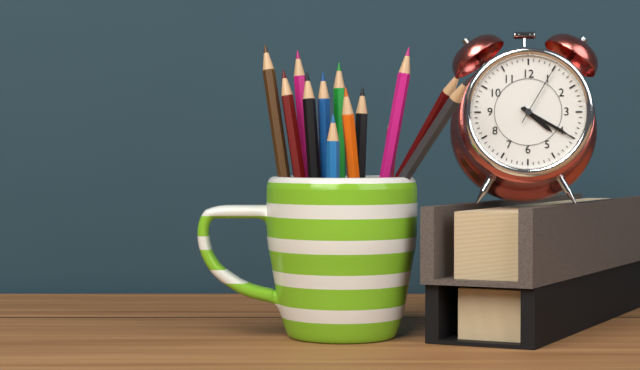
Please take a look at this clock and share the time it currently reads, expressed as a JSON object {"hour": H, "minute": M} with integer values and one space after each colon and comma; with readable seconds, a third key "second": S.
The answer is {"hour": 4, "minute": 20, "second": 5}
